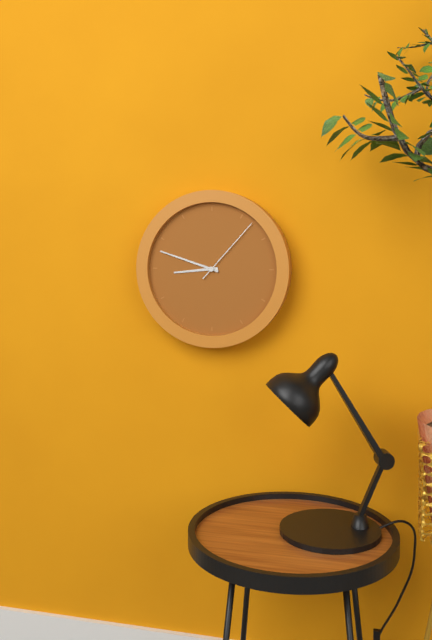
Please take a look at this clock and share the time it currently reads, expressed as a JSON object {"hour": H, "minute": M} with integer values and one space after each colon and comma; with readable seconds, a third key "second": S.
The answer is {"hour": 8, "minute": 48, "second": 7}
